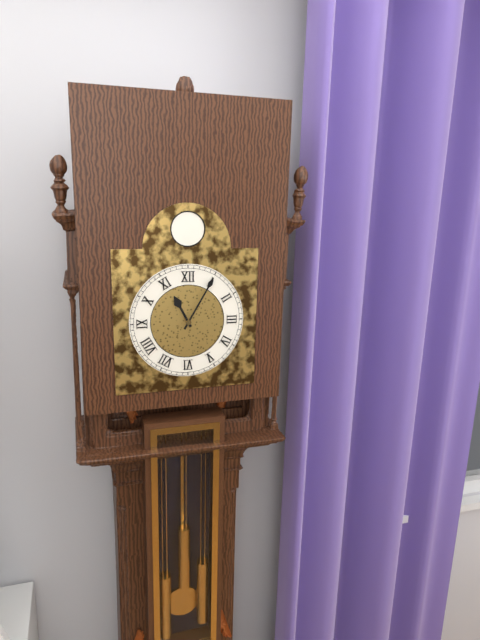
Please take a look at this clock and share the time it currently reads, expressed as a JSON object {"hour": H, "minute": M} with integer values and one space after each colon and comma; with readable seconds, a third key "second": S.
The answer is {"hour": 11, "minute": 5}
